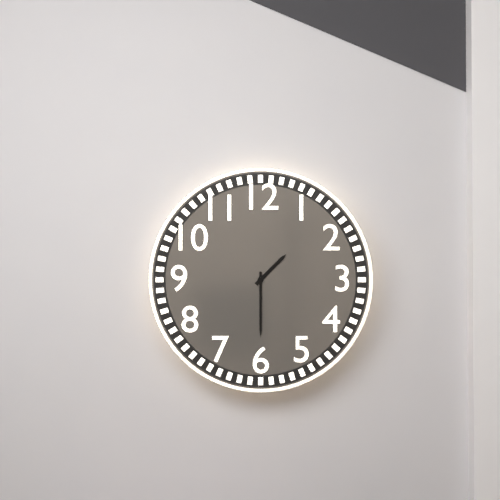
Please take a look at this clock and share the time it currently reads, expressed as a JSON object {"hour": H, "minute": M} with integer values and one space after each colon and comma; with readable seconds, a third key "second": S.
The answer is {"hour": 1, "minute": 30}
